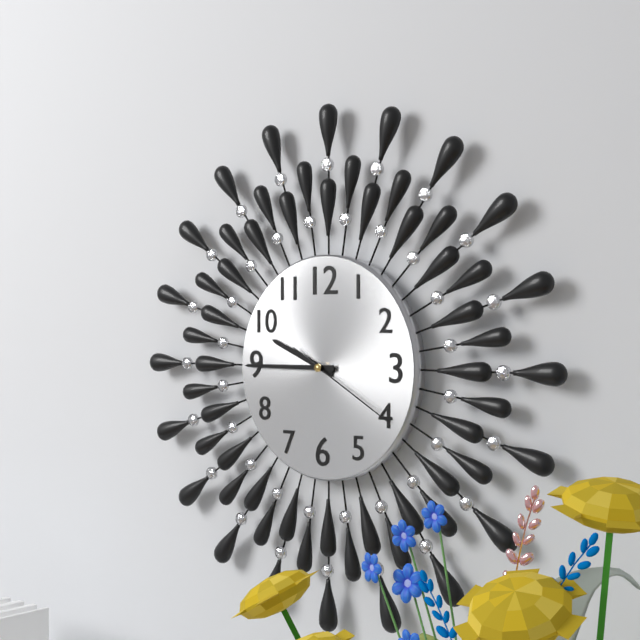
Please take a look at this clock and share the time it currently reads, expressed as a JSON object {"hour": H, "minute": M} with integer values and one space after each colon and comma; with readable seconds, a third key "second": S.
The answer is {"hour": 9, "minute": 45, "second": 20}
